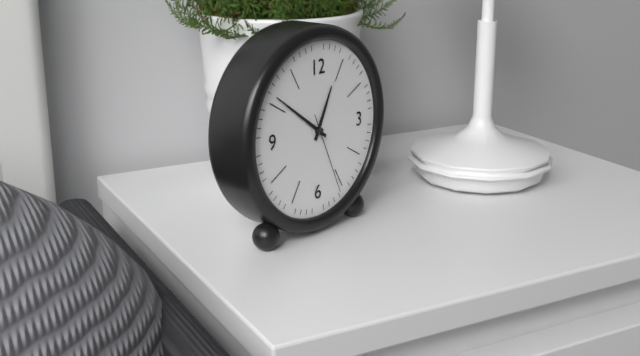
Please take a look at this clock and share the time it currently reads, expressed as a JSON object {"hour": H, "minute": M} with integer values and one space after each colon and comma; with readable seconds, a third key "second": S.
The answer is {"hour": 12, "minute": 51, "second": 26}
